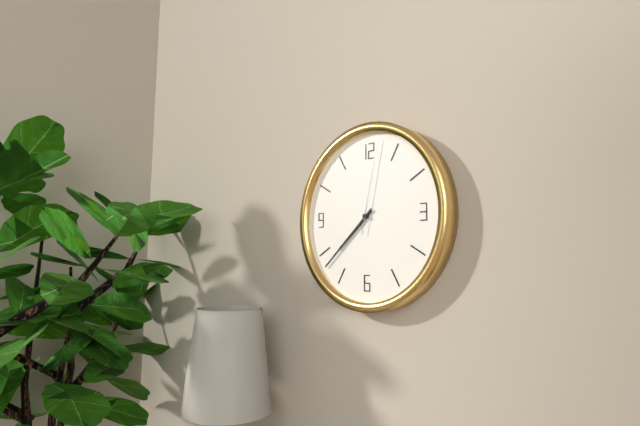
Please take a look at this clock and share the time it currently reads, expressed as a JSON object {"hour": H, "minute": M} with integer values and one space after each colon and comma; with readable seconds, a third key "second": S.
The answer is {"hour": 7, "minute": 38, "second": 2}
